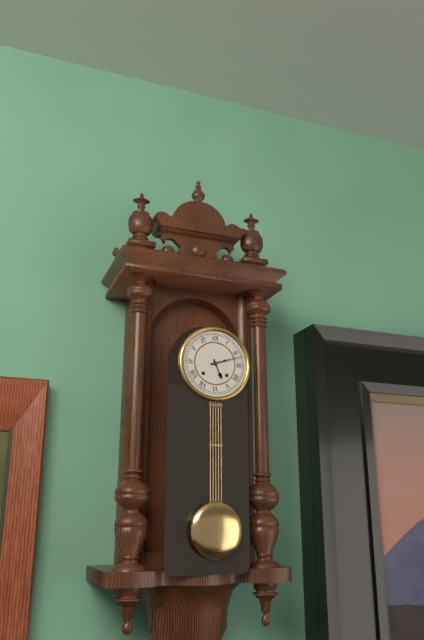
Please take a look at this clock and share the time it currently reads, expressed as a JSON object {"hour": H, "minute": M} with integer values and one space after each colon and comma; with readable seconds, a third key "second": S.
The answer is {"hour": 5, "minute": 12}
